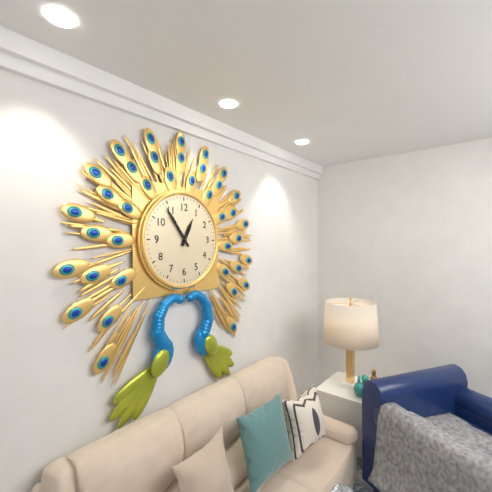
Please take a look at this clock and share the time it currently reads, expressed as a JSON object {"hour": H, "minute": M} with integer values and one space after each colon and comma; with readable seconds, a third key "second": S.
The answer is {"hour": 12, "minute": 54}
